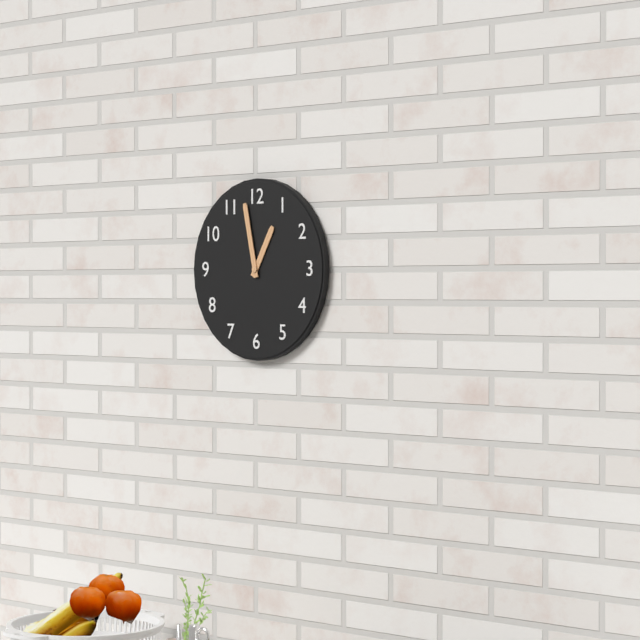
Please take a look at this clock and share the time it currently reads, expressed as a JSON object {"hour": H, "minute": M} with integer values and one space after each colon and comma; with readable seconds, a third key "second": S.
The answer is {"hour": 12, "minute": 58}
